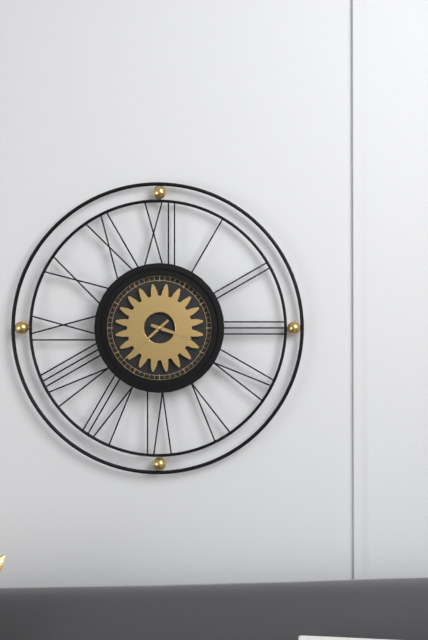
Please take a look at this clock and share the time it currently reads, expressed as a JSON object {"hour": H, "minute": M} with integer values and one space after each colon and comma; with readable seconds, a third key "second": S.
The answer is {"hour": 3, "minute": 38}
